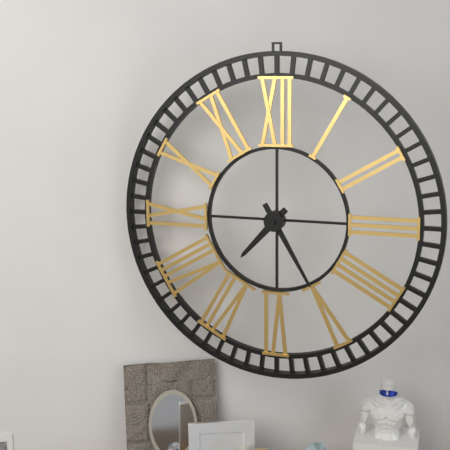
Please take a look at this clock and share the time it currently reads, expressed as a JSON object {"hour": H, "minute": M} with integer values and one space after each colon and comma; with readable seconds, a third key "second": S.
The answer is {"hour": 7, "minute": 25}
